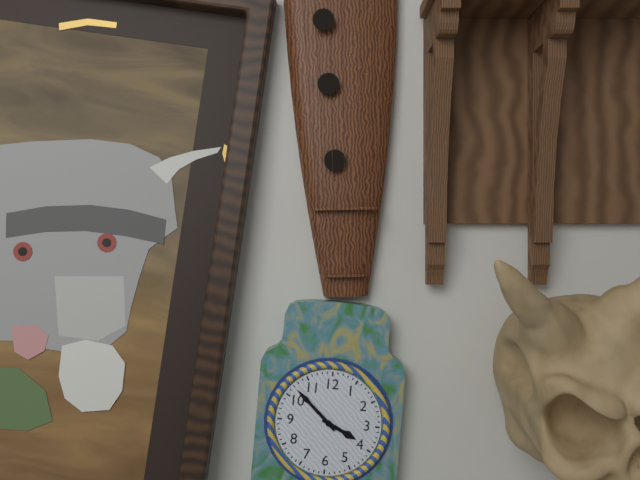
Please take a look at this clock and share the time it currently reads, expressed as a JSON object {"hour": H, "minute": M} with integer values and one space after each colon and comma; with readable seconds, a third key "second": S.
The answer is {"hour": 3, "minute": 52}
